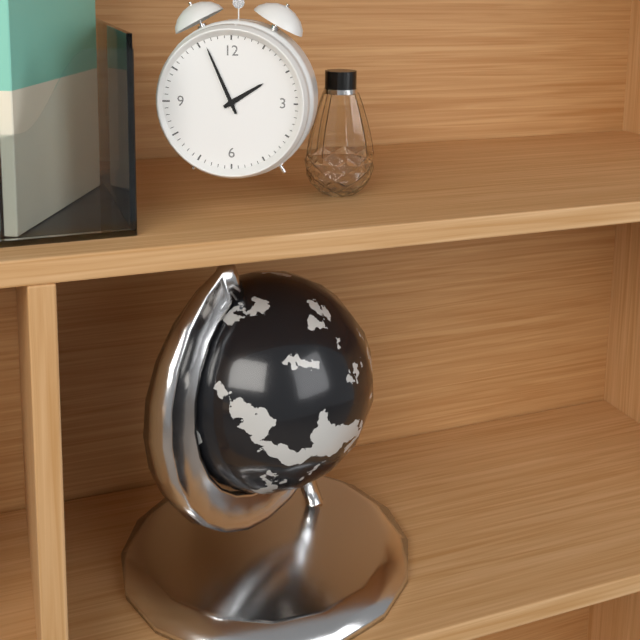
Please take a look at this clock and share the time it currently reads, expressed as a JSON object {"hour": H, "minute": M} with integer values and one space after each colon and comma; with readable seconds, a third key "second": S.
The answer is {"hour": 1, "minute": 56}
